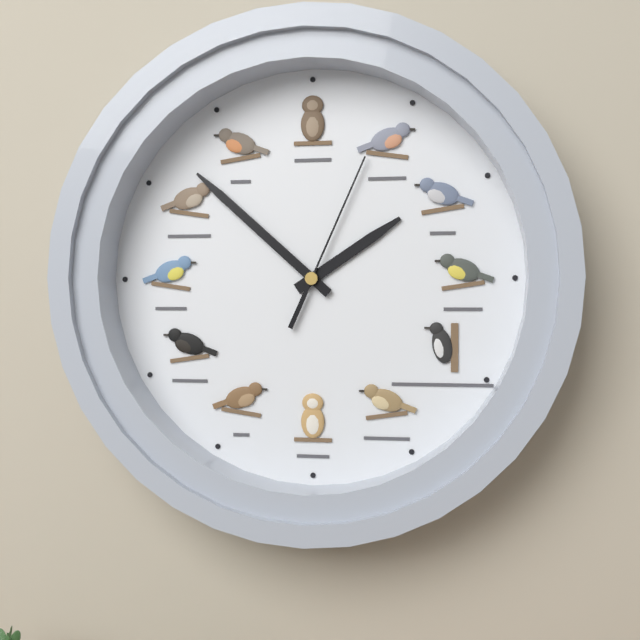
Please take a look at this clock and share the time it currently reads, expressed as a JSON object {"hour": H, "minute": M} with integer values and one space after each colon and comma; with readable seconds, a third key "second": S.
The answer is {"hour": 1, "minute": 52, "second": 4}
